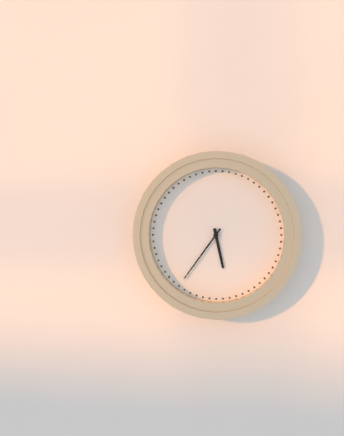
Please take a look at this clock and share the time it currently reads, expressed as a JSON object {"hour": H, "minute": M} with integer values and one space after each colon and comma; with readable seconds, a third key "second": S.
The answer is {"hour": 5, "minute": 36}
